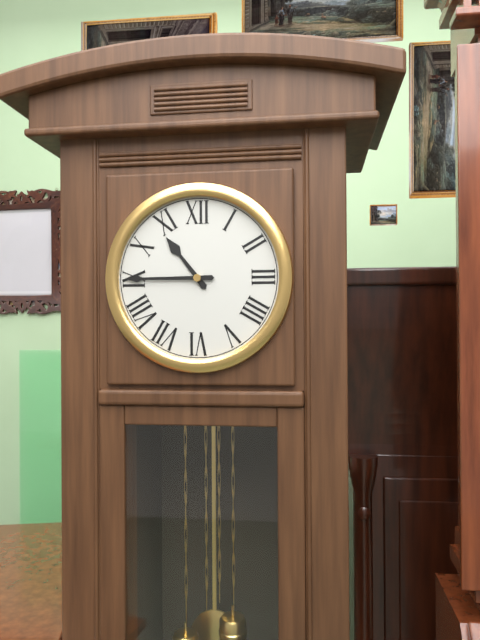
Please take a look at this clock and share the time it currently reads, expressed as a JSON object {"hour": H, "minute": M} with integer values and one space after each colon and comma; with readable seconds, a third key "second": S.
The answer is {"hour": 10, "minute": 45}
